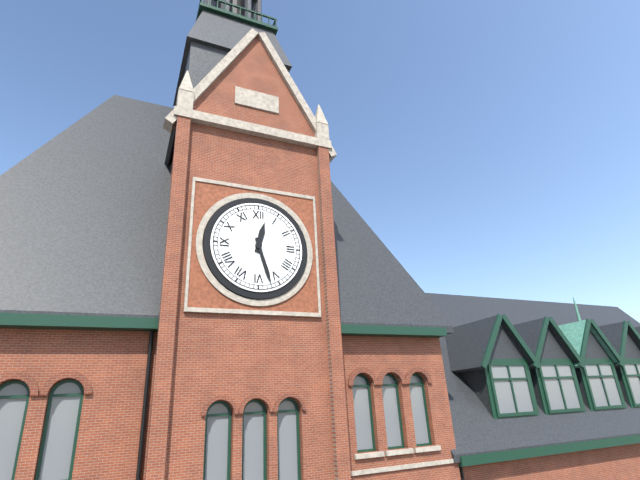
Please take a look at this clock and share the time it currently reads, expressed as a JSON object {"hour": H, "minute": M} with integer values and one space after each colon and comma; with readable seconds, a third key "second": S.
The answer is {"hour": 12, "minute": 27}
